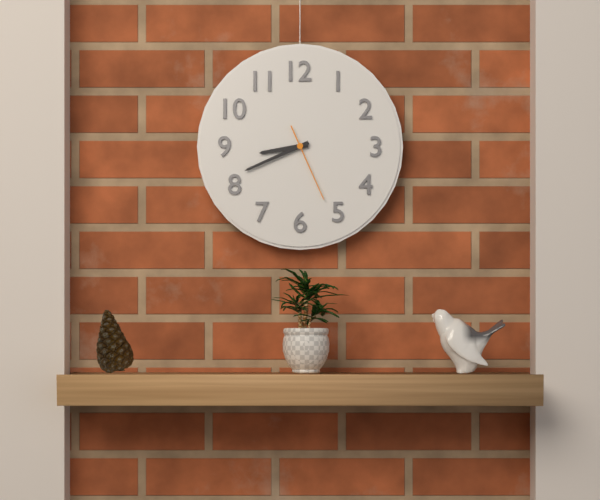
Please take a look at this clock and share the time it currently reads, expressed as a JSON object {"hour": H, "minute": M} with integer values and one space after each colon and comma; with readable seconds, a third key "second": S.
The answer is {"hour": 8, "minute": 41, "second": 26}
